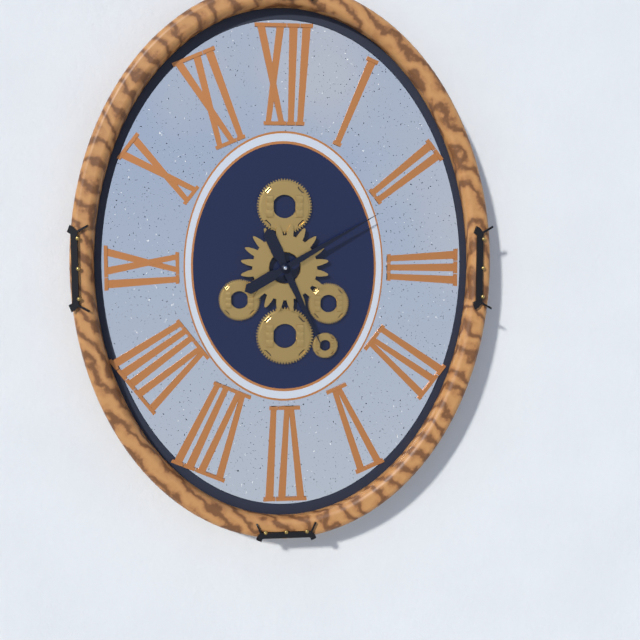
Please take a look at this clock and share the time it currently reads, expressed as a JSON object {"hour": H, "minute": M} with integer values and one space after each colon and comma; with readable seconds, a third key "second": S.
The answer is {"hour": 5, "minute": 10}
